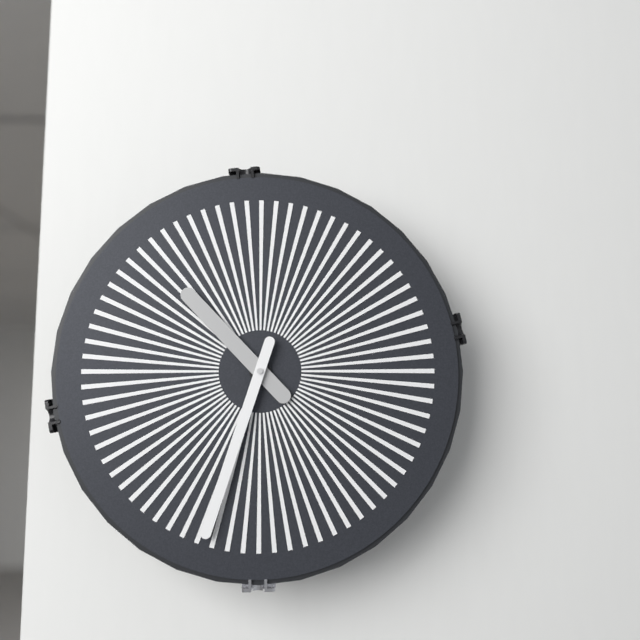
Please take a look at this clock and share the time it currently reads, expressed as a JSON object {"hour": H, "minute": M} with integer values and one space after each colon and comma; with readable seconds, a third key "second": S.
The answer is {"hour": 10, "minute": 33}
